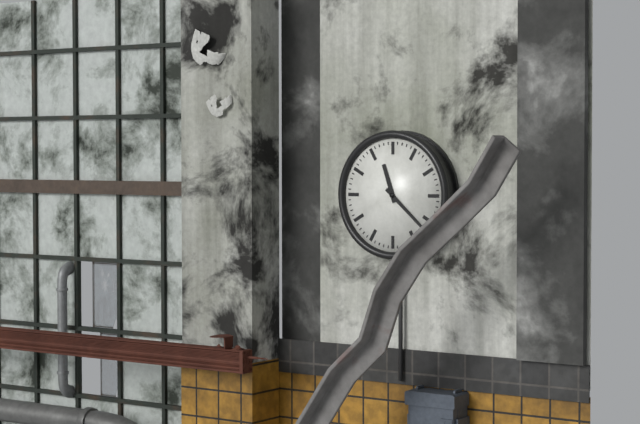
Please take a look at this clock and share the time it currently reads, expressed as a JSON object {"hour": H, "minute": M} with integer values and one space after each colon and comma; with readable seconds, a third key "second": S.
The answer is {"hour": 11, "minute": 22}
